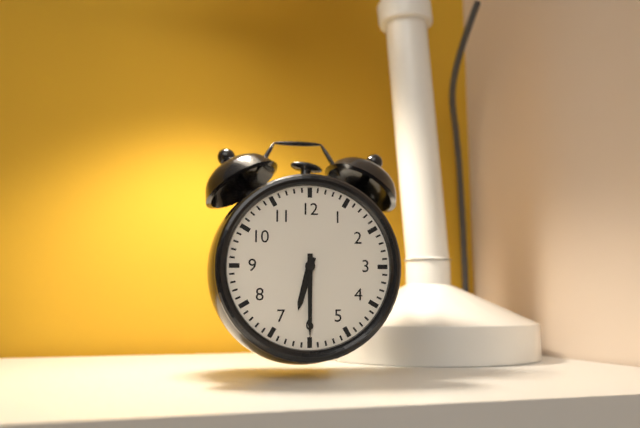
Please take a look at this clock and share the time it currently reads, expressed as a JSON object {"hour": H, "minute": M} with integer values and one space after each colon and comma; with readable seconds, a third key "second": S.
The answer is {"hour": 6, "minute": 30}
